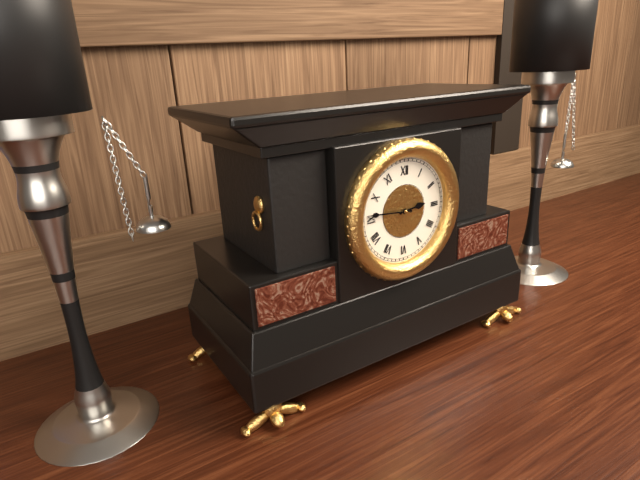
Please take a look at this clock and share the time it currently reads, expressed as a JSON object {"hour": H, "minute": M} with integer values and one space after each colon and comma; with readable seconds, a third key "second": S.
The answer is {"hour": 2, "minute": 46}
